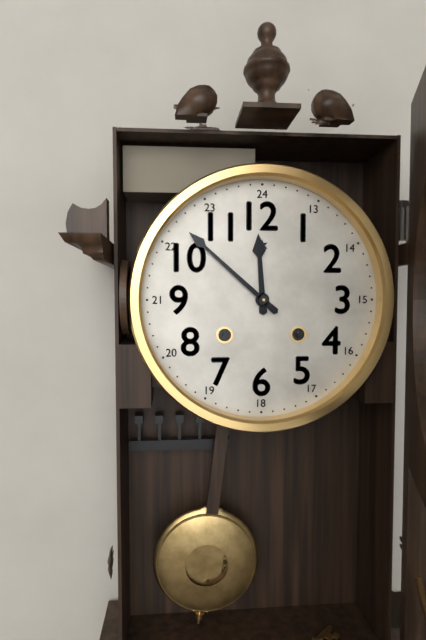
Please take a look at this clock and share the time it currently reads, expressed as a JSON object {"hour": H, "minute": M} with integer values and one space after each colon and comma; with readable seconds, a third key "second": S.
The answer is {"hour": 11, "minute": 52}
